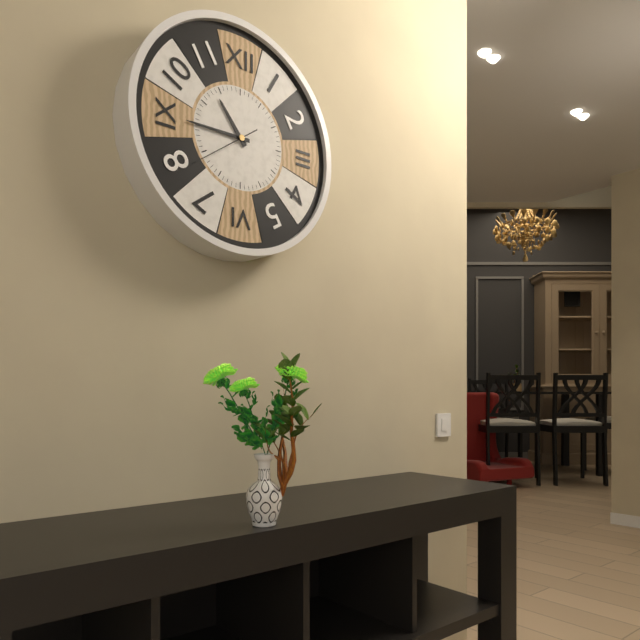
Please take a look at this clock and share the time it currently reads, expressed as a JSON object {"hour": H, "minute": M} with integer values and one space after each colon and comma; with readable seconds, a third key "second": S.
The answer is {"hour": 10, "minute": 45, "second": 39}
